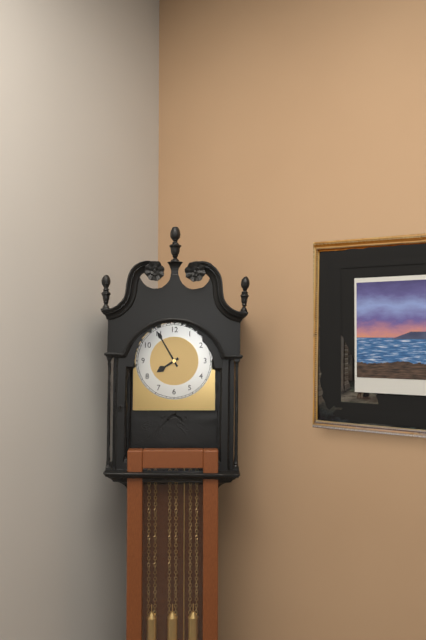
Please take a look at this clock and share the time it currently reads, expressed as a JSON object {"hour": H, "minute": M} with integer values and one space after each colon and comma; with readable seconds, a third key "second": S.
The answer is {"hour": 7, "minute": 55}
